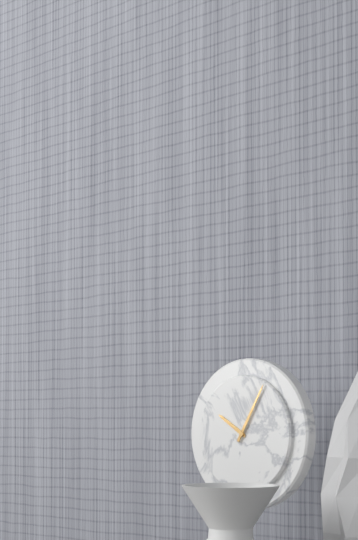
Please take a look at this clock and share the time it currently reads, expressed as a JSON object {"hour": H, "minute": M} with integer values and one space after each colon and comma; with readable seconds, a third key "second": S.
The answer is {"hour": 10, "minute": 5}
